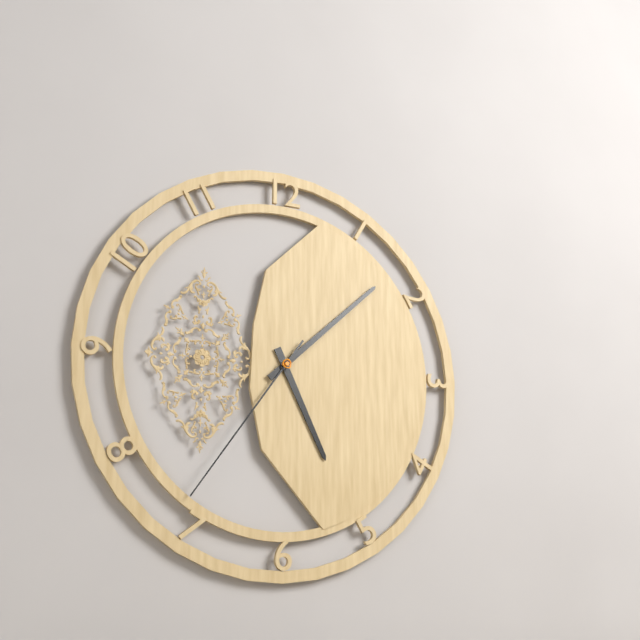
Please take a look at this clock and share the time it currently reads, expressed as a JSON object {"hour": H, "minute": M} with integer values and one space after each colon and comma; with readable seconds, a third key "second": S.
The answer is {"hour": 5, "minute": 8, "second": 36}
